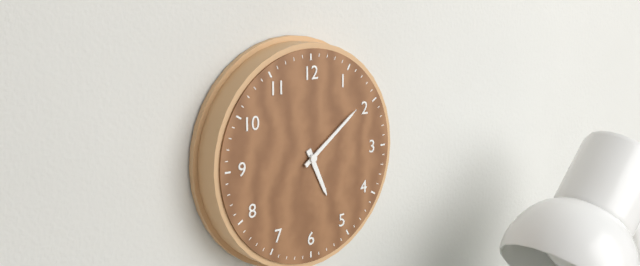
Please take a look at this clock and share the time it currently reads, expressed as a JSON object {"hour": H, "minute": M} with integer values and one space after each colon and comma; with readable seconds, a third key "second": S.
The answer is {"hour": 5, "minute": 9}
